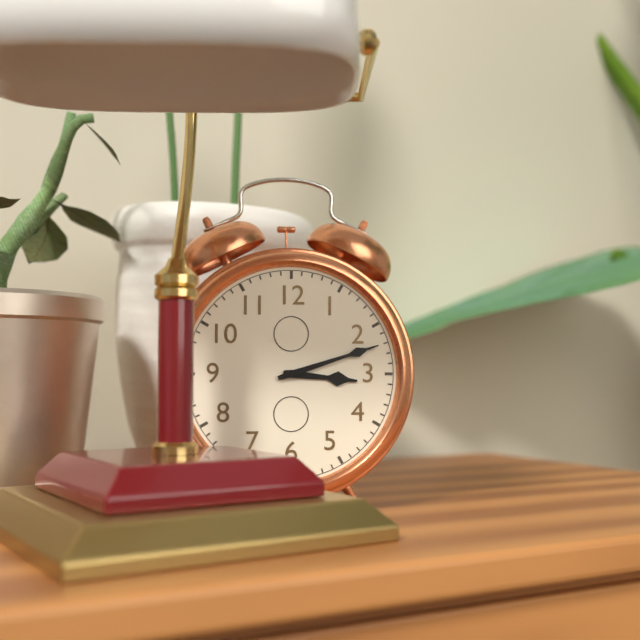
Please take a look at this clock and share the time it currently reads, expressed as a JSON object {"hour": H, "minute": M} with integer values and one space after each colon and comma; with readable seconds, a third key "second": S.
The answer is {"hour": 3, "minute": 12}
